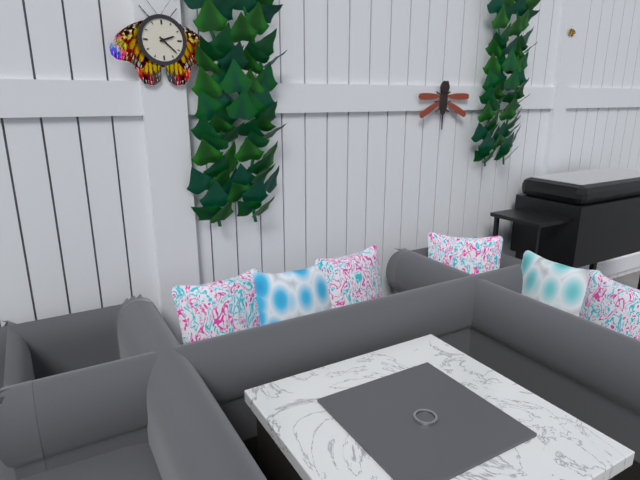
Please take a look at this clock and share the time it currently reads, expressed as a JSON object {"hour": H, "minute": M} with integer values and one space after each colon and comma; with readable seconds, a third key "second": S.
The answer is {"hour": 2, "minute": 22}
